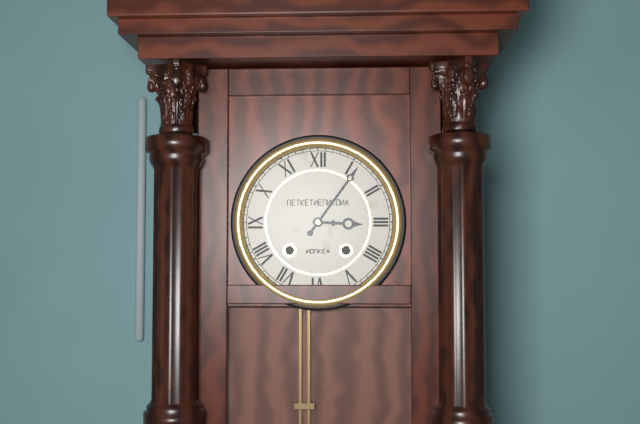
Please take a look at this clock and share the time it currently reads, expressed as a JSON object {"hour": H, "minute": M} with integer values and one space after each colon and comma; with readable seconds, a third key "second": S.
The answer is {"hour": 3, "minute": 6}
